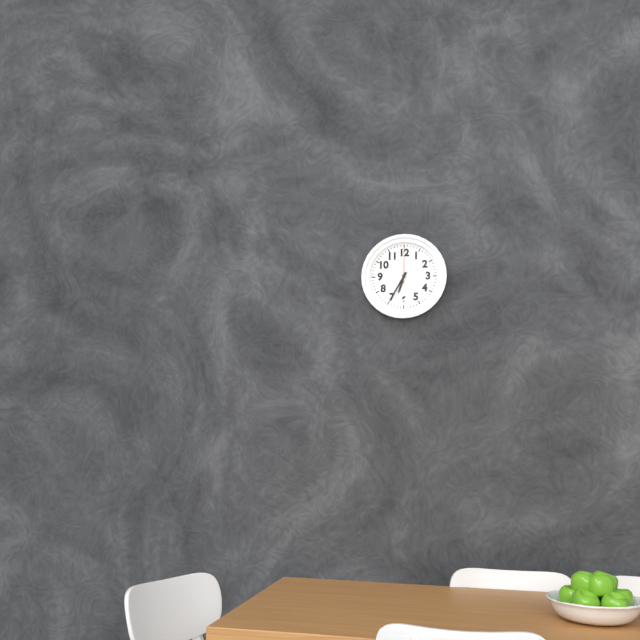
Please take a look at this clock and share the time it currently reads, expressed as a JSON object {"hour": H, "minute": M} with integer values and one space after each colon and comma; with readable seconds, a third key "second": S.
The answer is {"hour": 6, "minute": 35}
